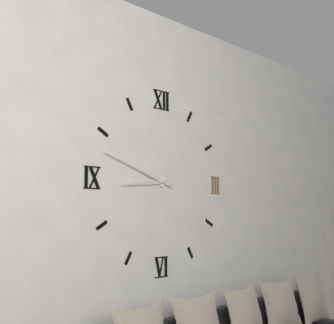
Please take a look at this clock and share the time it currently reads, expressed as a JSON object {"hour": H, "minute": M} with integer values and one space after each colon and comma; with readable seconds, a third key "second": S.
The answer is {"hour": 8, "minute": 48}
